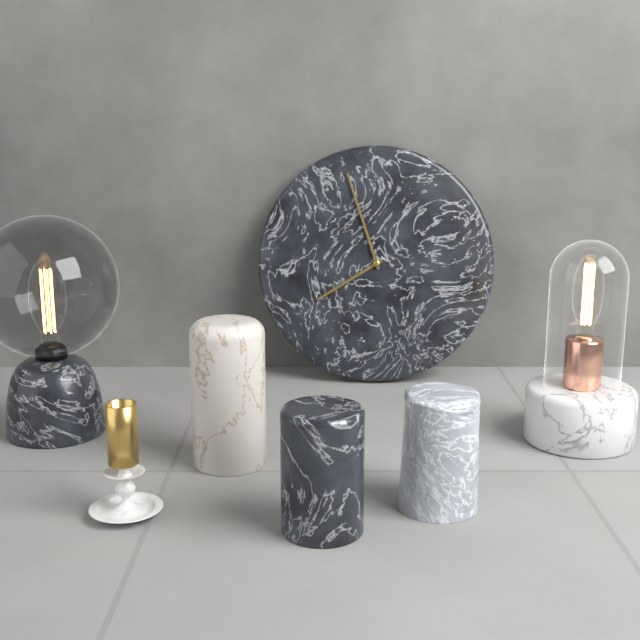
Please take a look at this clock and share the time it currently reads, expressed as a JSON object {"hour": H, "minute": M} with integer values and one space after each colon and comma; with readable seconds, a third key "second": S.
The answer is {"hour": 7, "minute": 57}
